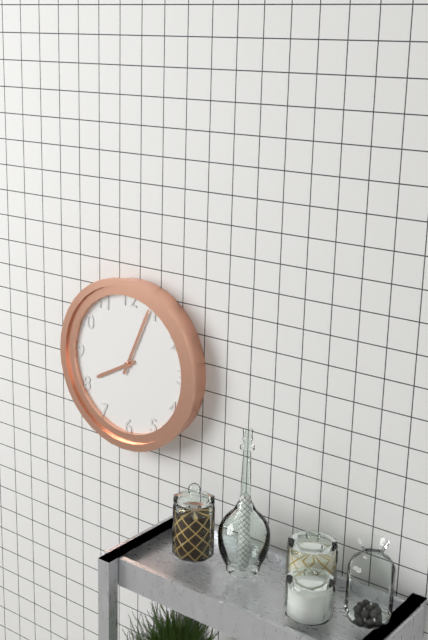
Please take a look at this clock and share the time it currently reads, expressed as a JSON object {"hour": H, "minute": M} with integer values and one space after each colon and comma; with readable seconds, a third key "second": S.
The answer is {"hour": 8, "minute": 4}
